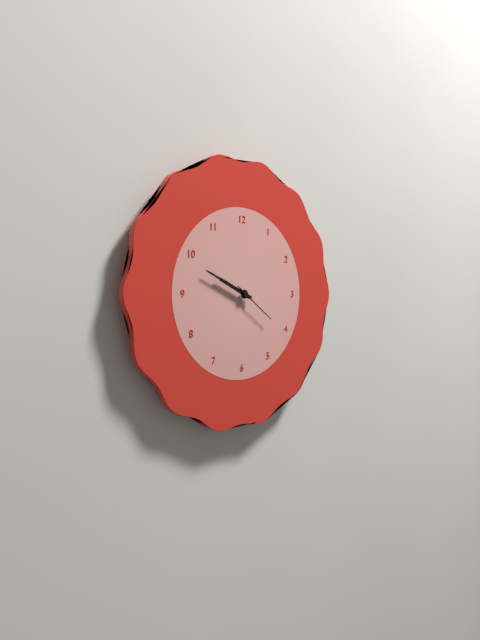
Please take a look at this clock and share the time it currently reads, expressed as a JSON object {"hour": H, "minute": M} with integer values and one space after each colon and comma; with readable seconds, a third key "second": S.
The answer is {"hour": 9, "minute": 49}
